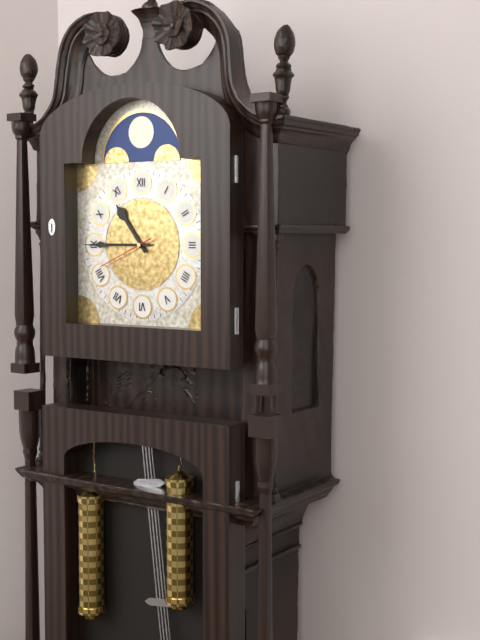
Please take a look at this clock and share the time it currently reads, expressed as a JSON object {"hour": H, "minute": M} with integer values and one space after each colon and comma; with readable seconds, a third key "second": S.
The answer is {"hour": 10, "minute": 45, "second": 41}
